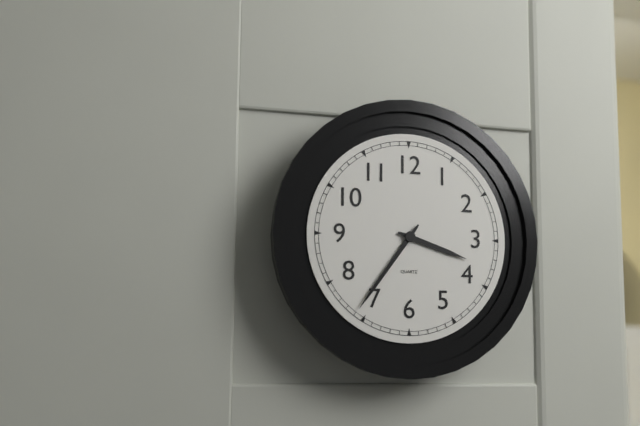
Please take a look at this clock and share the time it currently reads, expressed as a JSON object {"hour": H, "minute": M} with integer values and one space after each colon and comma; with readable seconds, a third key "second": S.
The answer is {"hour": 3, "minute": 36}
